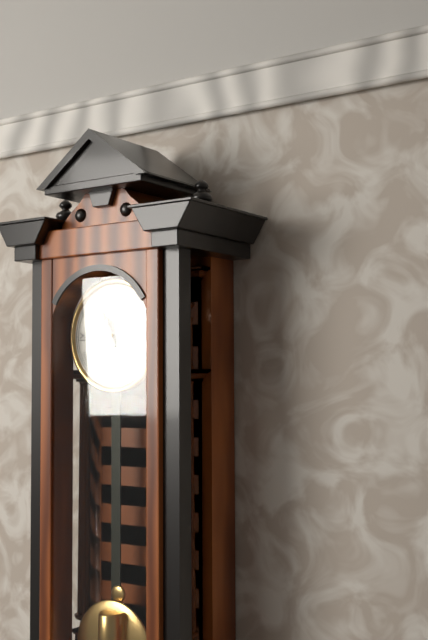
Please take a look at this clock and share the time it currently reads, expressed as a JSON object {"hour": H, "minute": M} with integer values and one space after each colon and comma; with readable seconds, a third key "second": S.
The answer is {"hour": 10, "minute": 58}
